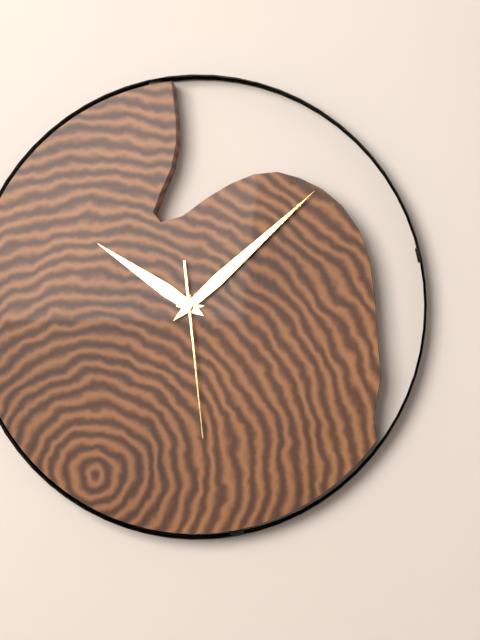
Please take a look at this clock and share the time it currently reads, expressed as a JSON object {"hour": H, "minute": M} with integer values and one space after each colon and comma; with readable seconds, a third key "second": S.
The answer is {"hour": 10, "minute": 8, "second": 29}
